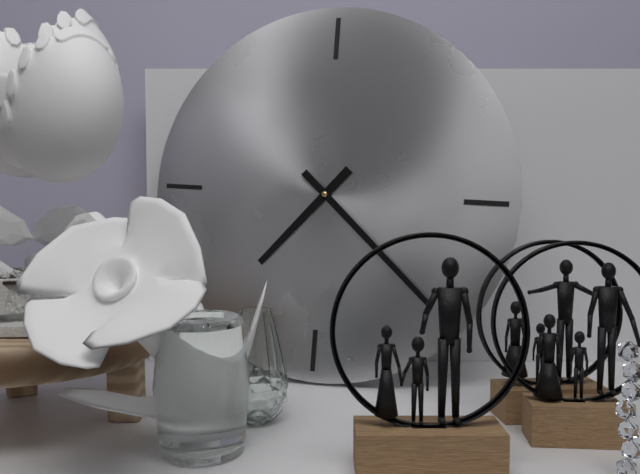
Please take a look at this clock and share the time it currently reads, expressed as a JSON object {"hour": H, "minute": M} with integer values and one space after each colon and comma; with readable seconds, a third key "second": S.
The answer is {"hour": 7, "minute": 22}
